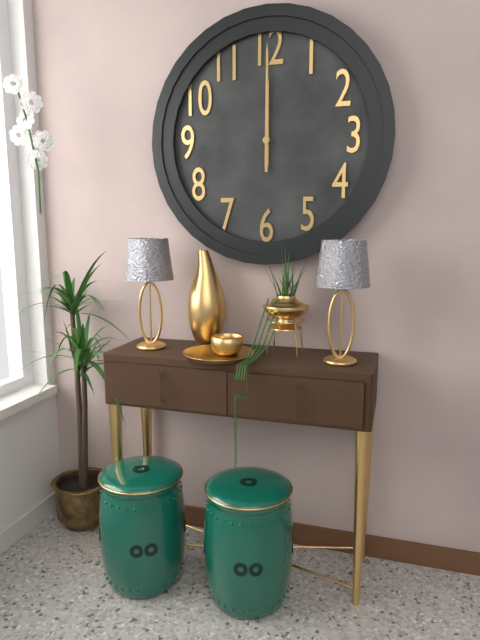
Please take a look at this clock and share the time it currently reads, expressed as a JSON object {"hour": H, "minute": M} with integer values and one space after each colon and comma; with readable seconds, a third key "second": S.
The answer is {"hour": 12, "minute": 0}
